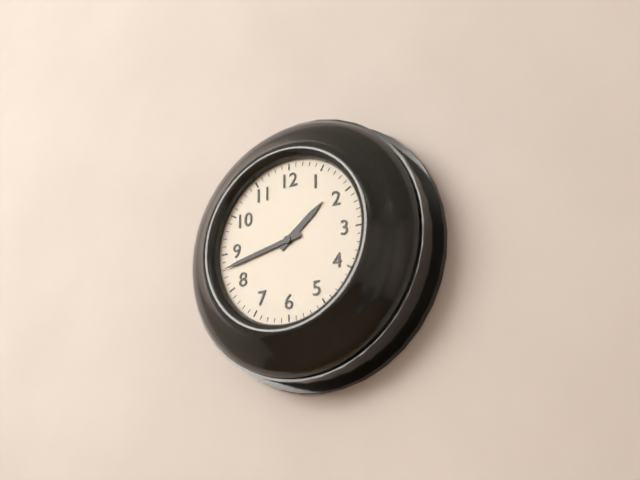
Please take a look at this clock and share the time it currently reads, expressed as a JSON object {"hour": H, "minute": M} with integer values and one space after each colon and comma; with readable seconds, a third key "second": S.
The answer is {"hour": 1, "minute": 43}
